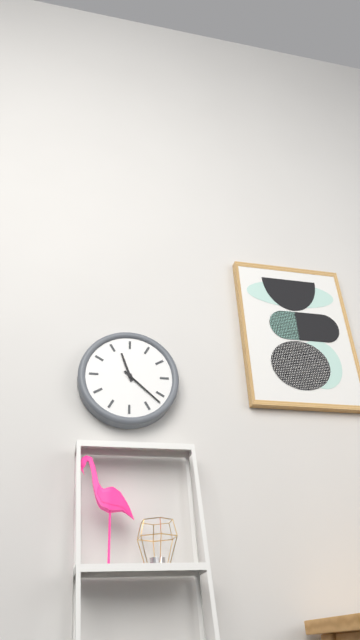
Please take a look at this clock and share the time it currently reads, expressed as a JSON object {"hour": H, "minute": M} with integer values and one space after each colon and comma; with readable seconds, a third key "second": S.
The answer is {"hour": 11, "minute": 22}
